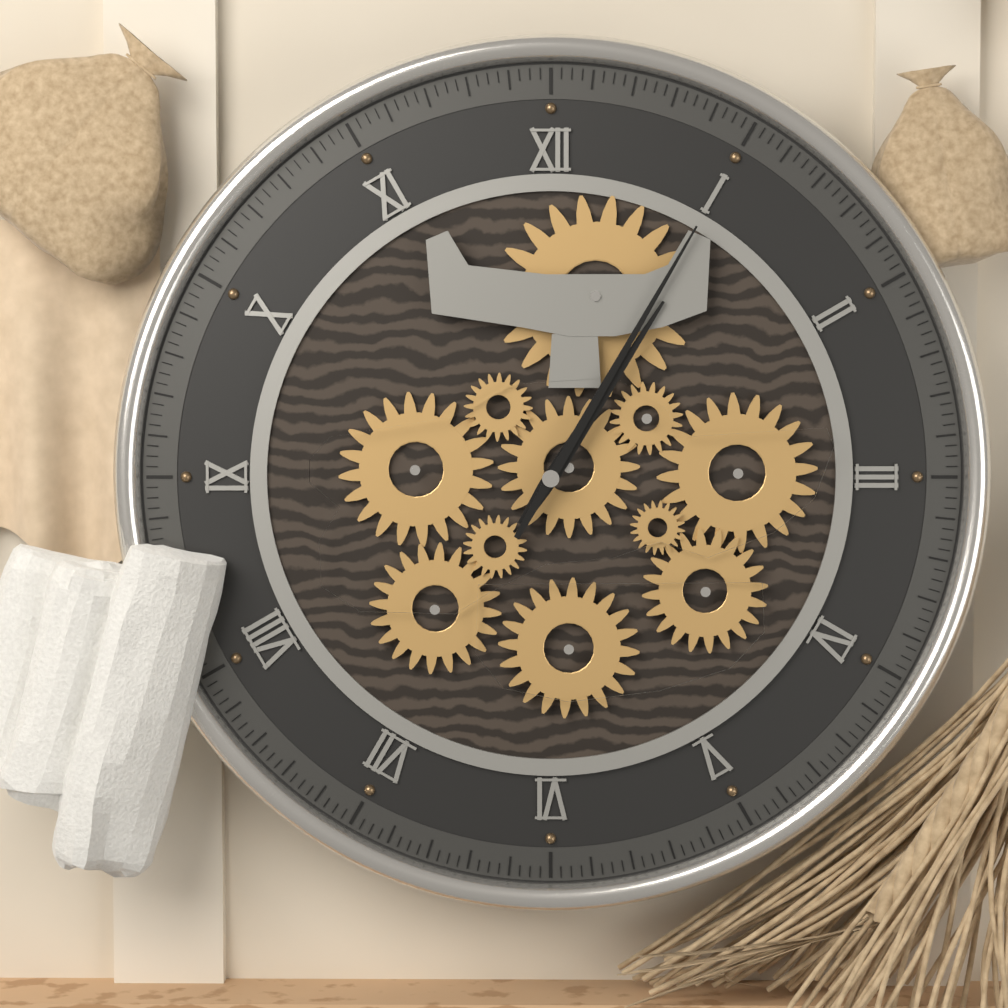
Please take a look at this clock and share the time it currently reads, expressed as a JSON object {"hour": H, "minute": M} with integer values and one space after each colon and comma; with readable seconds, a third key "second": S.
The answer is {"hour": 1, "minute": 5}
